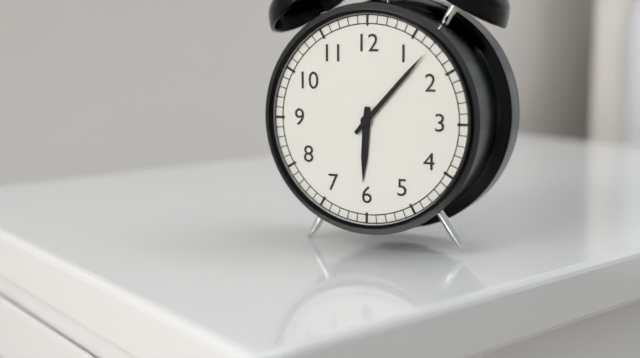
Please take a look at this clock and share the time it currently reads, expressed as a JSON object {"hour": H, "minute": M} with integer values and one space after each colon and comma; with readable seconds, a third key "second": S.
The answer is {"hour": 6, "minute": 7}
